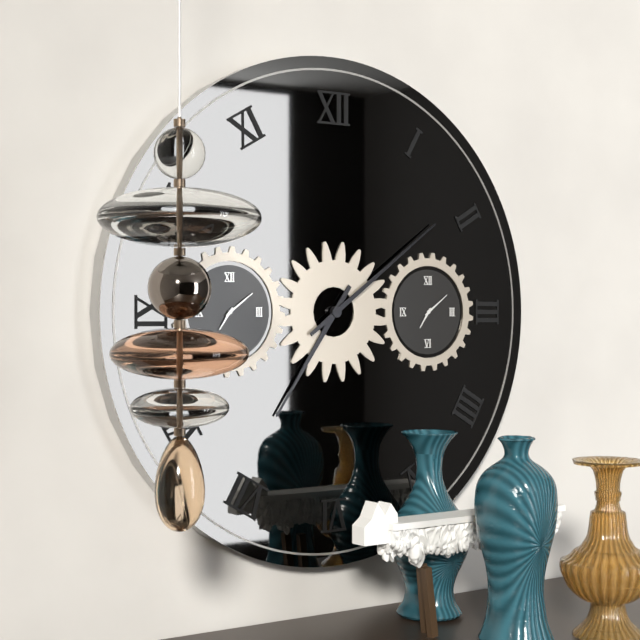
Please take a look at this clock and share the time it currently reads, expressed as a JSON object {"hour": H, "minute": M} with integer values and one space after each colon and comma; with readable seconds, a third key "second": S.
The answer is {"hour": 7, "minute": 9}
